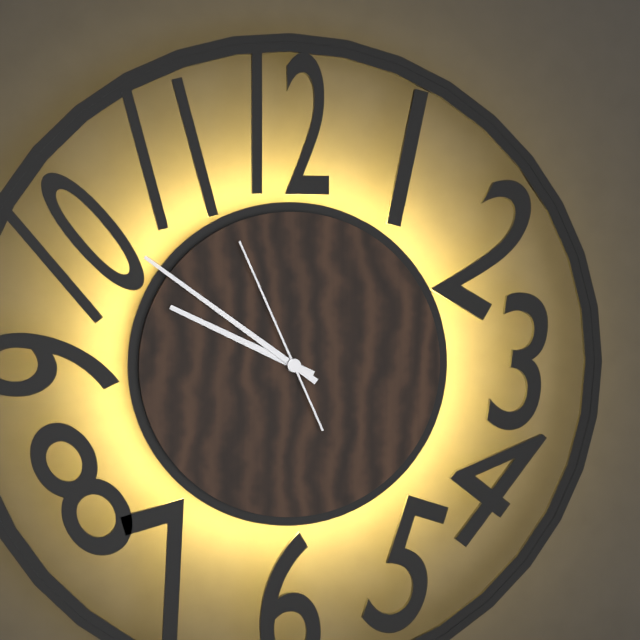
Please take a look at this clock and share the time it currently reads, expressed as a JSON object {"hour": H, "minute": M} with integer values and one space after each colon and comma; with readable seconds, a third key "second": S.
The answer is {"hour": 9, "minute": 51, "second": 56}
